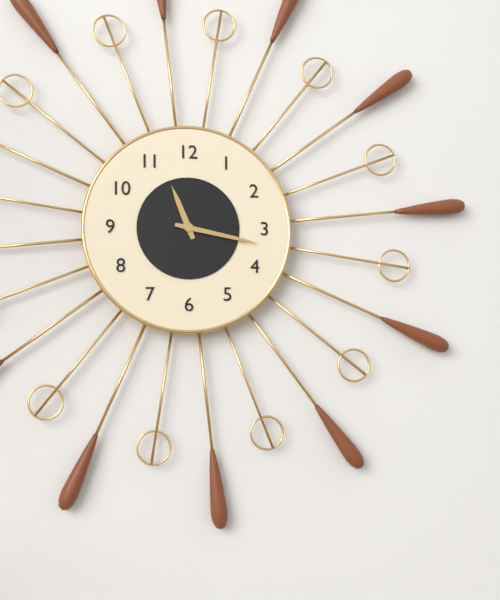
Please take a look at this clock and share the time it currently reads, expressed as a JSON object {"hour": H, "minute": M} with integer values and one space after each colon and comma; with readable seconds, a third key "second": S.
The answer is {"hour": 11, "minute": 17}
